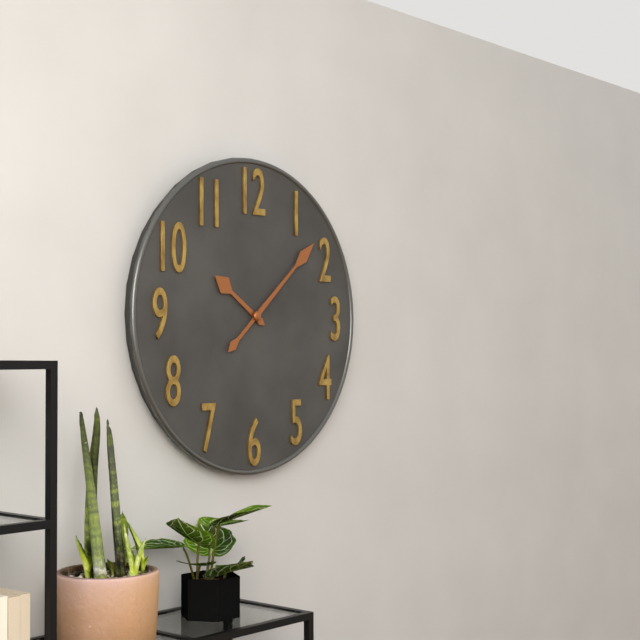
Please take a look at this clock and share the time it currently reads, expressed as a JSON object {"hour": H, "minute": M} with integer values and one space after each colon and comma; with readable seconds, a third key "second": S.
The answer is {"hour": 10, "minute": 8}
